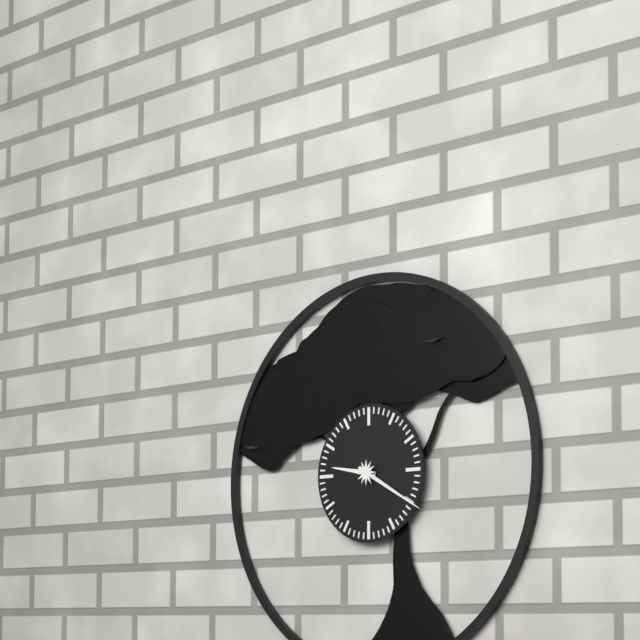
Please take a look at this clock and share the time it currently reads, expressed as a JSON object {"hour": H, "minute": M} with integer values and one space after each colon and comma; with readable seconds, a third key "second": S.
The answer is {"hour": 9, "minute": 20}
